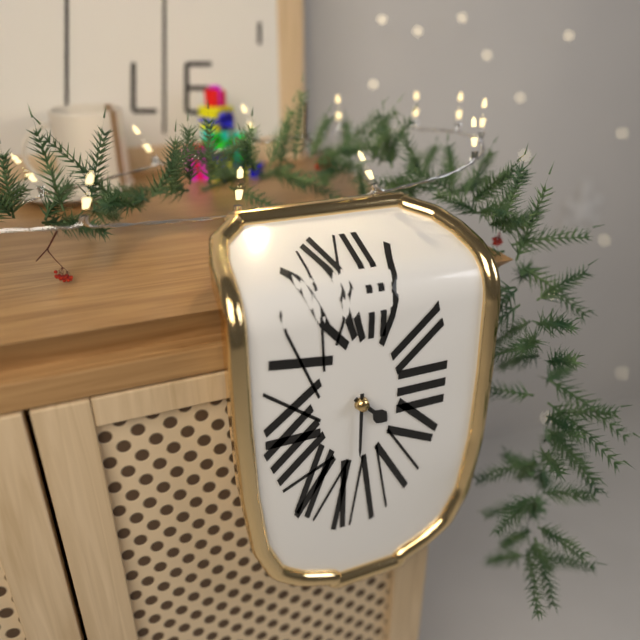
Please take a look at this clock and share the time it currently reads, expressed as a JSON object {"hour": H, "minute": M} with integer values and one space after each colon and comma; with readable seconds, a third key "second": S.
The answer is {"hour": 4, "minute": 30}
